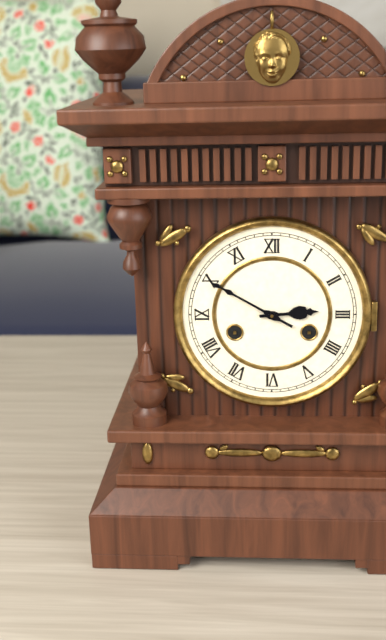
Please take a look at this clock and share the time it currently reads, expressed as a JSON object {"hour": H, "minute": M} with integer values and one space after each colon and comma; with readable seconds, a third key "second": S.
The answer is {"hour": 2, "minute": 50}
